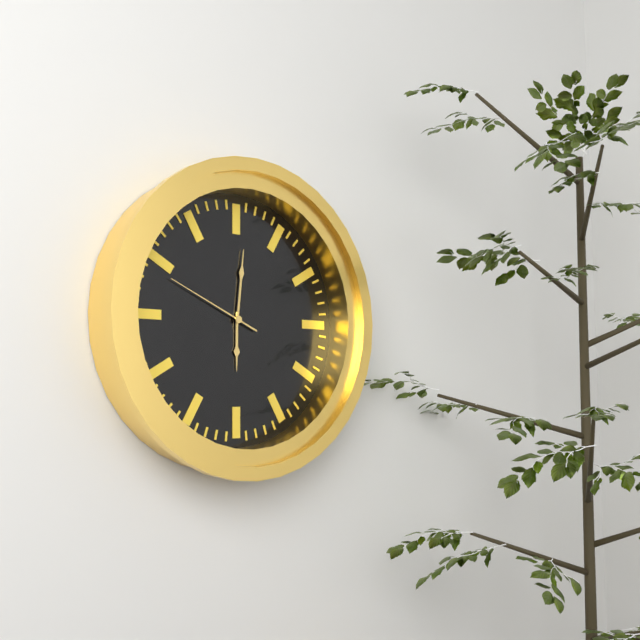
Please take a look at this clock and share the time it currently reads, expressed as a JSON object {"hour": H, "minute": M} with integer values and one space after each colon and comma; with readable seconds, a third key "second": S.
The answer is {"hour": 6, "minute": 1, "second": 49}
